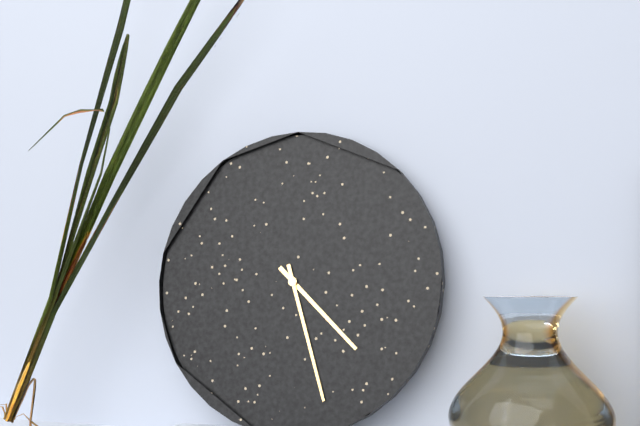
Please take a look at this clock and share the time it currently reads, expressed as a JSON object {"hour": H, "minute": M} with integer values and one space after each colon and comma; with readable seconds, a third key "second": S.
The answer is {"hour": 4, "minute": 27}
